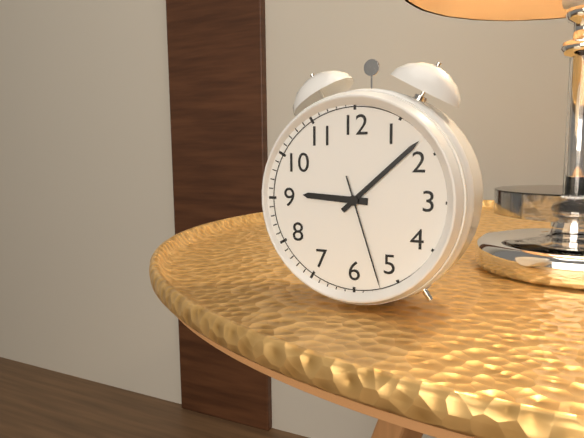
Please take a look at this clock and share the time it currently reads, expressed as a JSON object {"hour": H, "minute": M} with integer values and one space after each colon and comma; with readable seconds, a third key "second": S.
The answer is {"hour": 9, "minute": 8, "second": 27}
